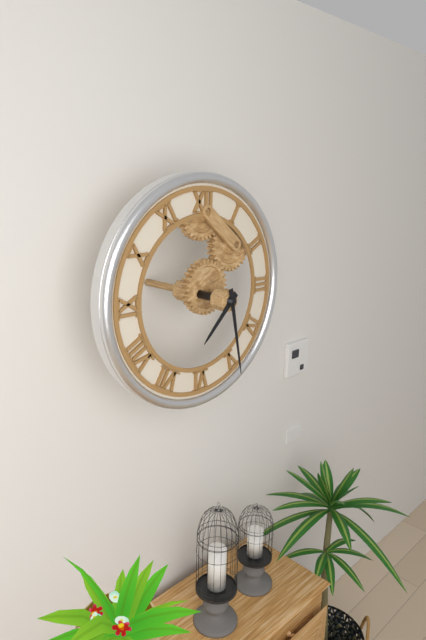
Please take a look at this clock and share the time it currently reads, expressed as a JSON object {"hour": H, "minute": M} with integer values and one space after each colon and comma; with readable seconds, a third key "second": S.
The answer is {"hour": 7, "minute": 28}
